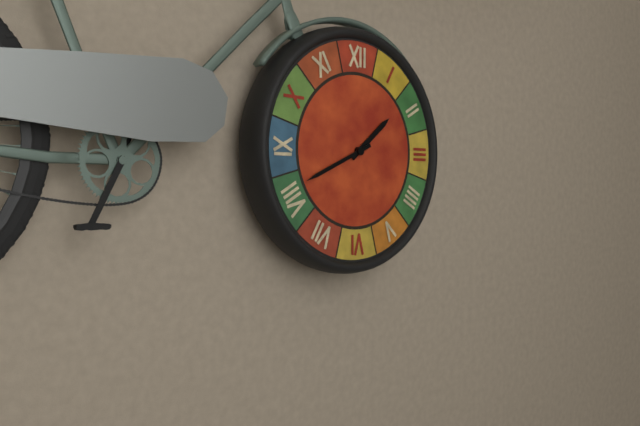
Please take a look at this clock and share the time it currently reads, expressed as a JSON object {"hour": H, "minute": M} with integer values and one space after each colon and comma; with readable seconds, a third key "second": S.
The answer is {"hour": 1, "minute": 41}
